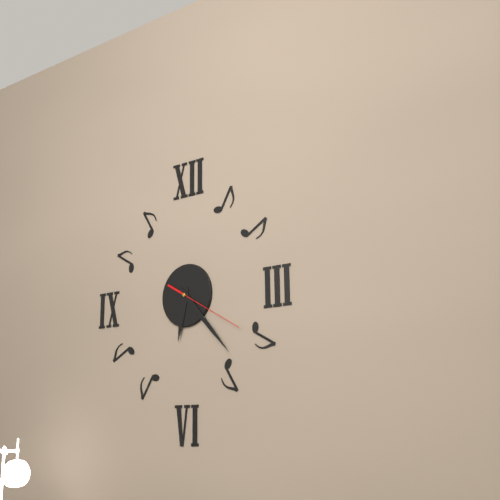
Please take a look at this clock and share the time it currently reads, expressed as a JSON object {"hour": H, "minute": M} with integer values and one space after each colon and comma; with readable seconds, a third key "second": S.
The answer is {"hour": 6, "minute": 23, "second": 20}
